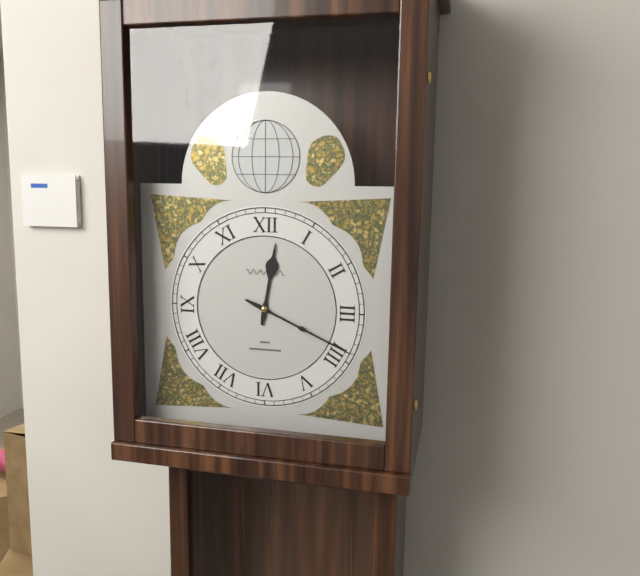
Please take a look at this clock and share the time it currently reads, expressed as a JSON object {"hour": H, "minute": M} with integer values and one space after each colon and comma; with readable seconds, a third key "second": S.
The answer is {"hour": 12, "minute": 19}
